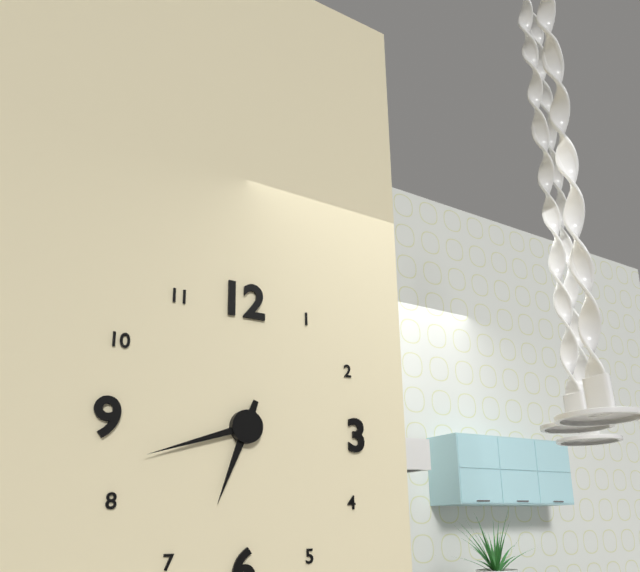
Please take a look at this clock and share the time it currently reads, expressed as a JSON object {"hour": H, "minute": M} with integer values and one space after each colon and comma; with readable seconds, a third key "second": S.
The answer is {"hour": 6, "minute": 42}
